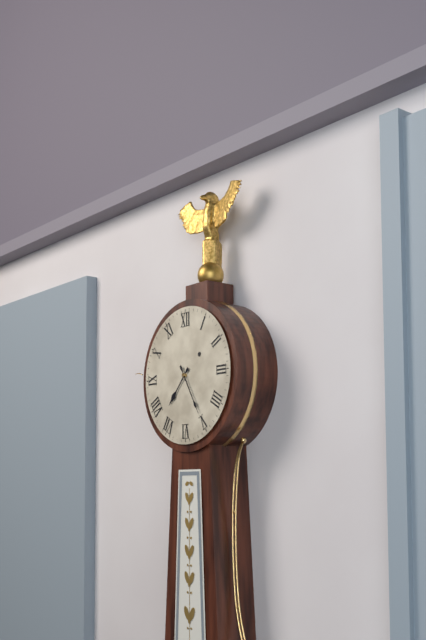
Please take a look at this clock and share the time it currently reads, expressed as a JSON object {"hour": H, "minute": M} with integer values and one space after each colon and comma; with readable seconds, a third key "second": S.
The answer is {"hour": 7, "minute": 25}
